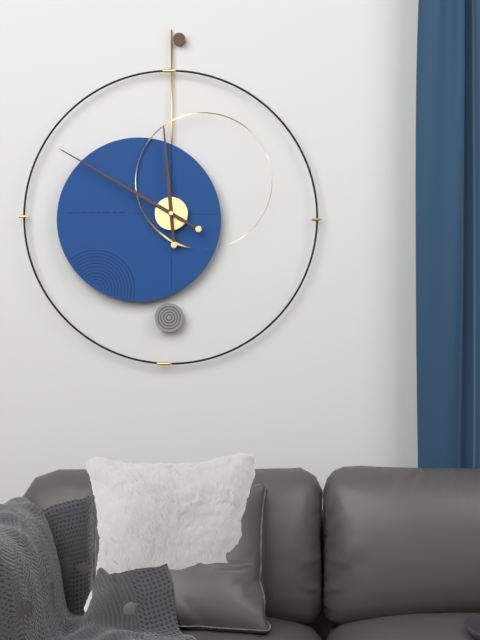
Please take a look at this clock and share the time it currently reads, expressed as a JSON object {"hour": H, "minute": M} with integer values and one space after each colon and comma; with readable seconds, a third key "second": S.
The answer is {"hour": 11, "minute": 50}
